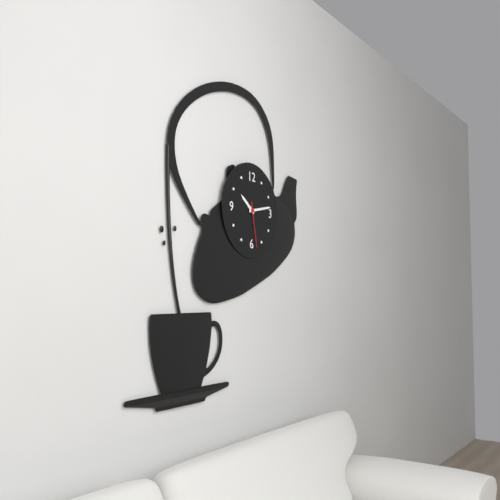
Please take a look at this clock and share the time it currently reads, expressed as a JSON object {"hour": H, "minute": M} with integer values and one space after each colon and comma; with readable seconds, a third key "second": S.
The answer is {"hour": 10, "minute": 13}
